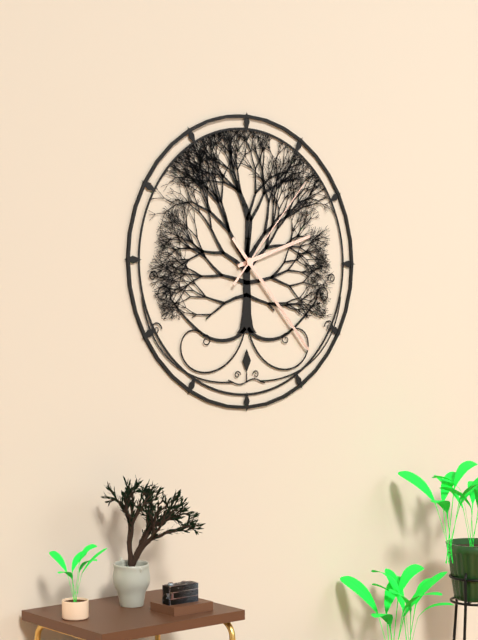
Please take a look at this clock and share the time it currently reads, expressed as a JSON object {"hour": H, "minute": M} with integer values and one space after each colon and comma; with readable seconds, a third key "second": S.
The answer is {"hour": 2, "minute": 23, "second": 7}
